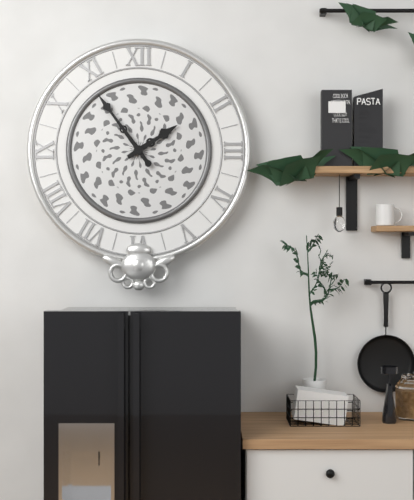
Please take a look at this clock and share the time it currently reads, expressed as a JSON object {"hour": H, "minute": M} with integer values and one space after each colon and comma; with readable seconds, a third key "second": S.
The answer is {"hour": 1, "minute": 54}
